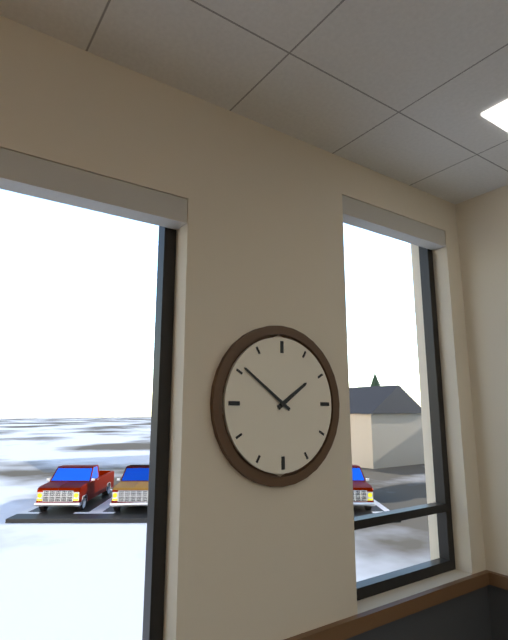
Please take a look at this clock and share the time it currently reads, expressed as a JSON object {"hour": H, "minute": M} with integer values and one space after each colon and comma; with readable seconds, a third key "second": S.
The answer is {"hour": 1, "minute": 51}
